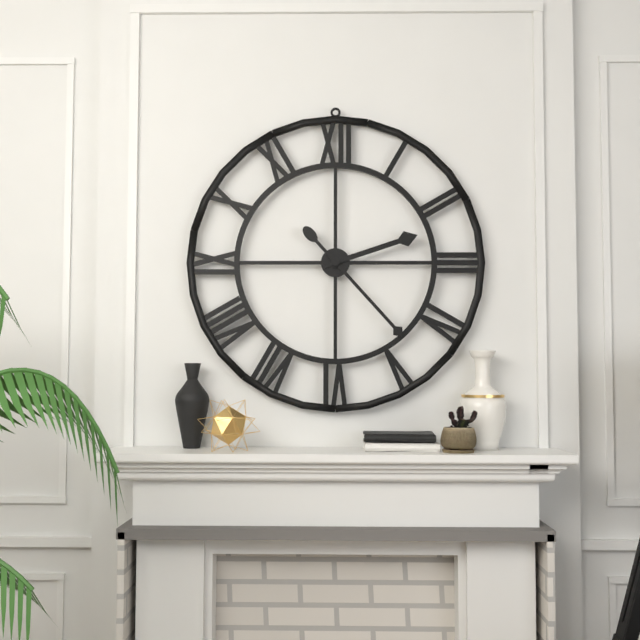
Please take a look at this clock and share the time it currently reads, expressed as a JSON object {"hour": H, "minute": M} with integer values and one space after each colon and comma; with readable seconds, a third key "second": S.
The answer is {"hour": 2, "minute": 23}
